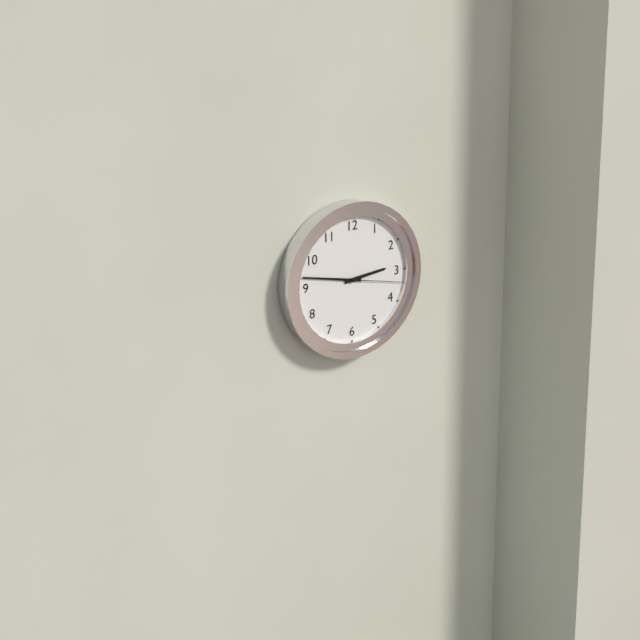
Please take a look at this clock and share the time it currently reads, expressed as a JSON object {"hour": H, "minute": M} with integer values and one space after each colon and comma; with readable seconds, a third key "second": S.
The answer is {"hour": 2, "minute": 47, "second": 17}
